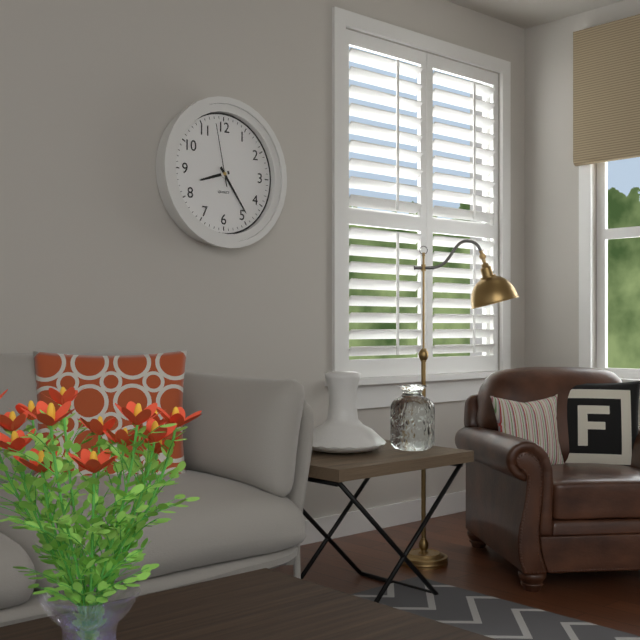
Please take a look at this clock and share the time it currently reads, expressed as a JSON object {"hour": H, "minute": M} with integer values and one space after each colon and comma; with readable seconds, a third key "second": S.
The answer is {"hour": 8, "minute": 24, "second": 58}
